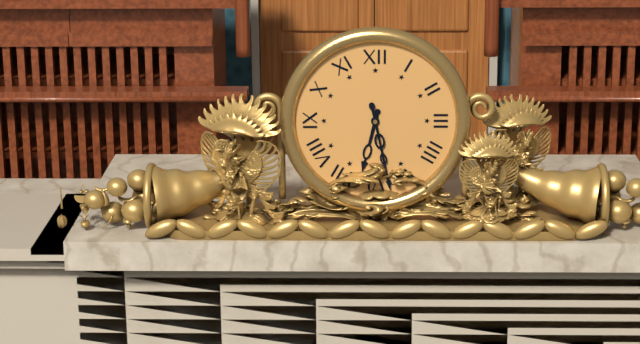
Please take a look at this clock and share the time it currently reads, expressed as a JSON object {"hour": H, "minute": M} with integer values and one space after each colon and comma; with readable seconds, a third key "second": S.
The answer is {"hour": 6, "minute": 28}
